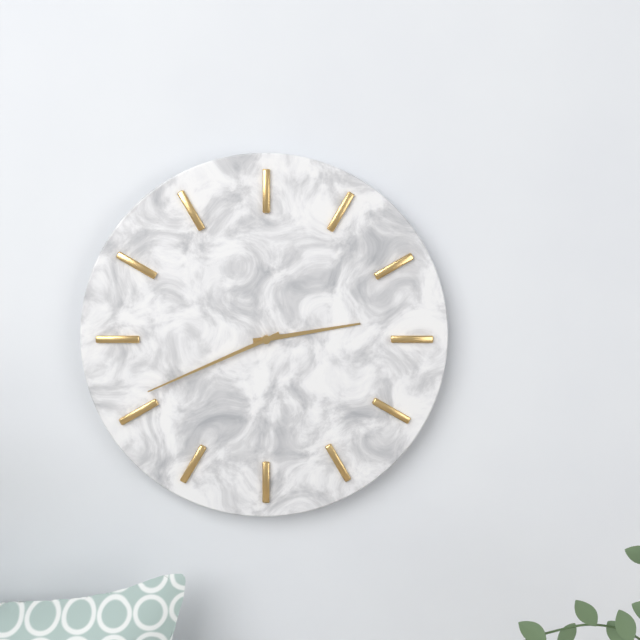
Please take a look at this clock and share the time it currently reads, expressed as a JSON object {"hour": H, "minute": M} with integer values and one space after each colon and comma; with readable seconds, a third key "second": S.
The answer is {"hour": 2, "minute": 41}
